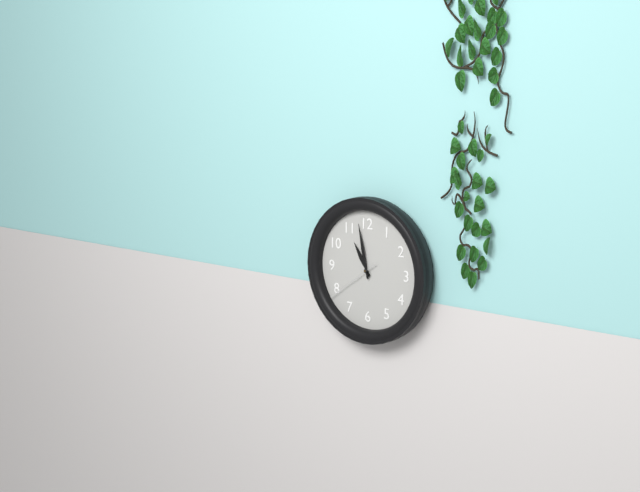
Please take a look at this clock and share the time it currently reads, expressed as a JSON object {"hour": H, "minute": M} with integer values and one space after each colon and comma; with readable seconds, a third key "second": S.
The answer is {"hour": 10, "minute": 58, "second": 39}
